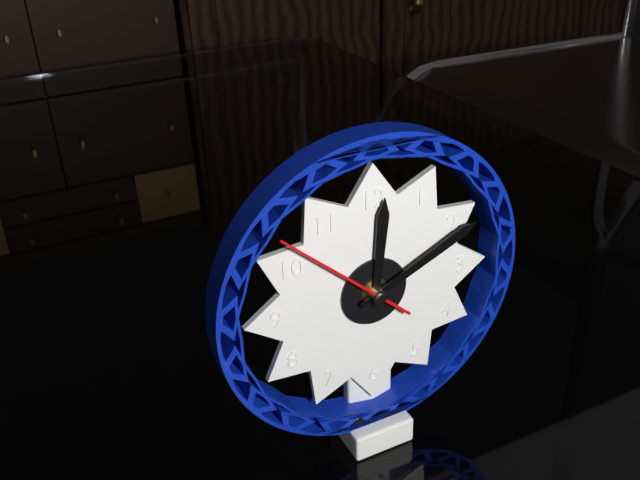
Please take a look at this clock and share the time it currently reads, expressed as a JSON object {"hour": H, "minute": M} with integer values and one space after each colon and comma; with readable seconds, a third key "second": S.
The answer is {"hour": 12, "minute": 11, "second": 52}
